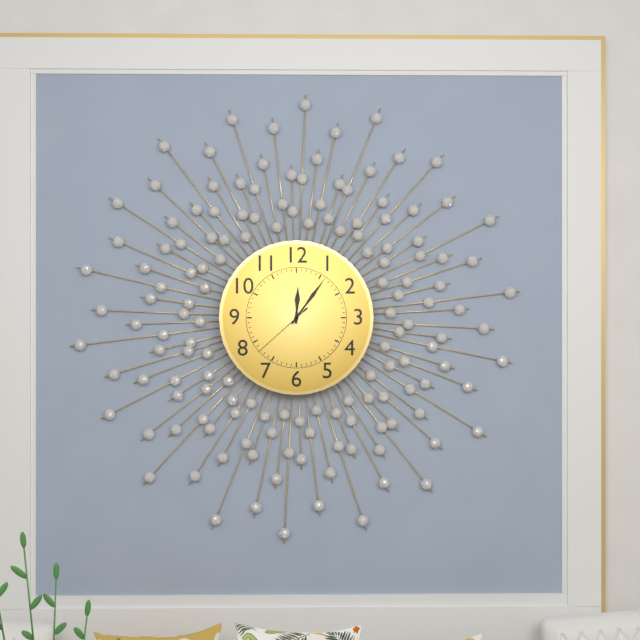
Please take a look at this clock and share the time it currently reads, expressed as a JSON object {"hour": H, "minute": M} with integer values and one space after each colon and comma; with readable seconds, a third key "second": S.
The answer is {"hour": 12, "minute": 6, "second": 38}
